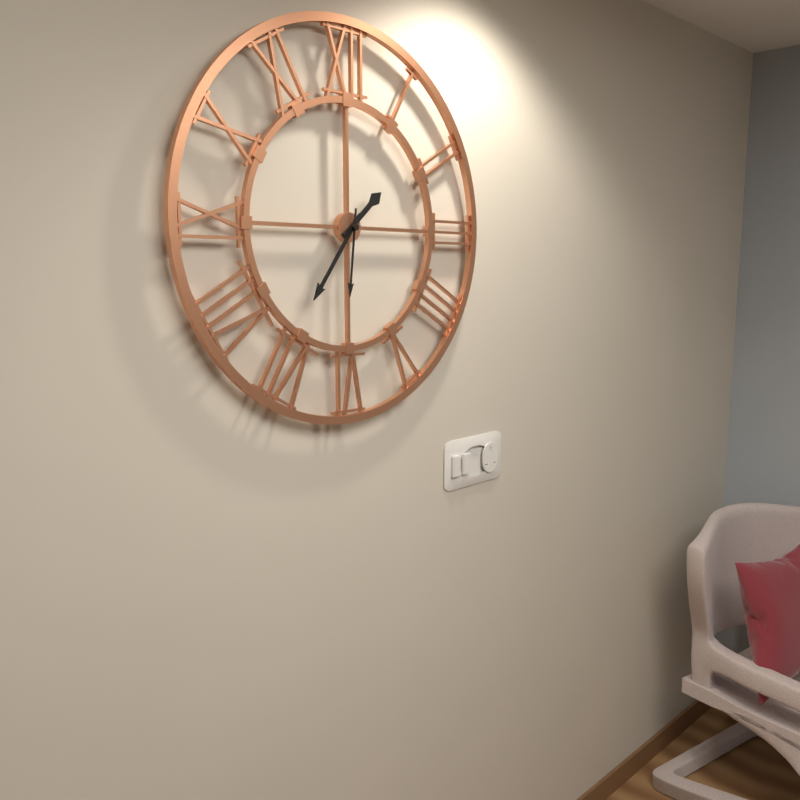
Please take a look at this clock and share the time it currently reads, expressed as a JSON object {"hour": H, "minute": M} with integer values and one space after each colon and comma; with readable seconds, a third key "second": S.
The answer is {"hour": 1, "minute": 36, "second": 31}
